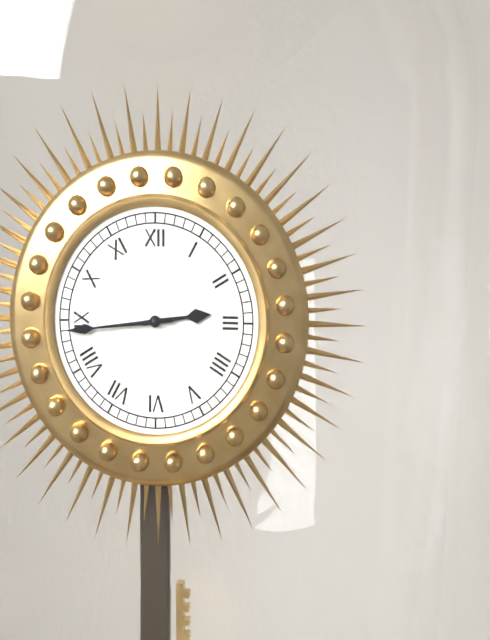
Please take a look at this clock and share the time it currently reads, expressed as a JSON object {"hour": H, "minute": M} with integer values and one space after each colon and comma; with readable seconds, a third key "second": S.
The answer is {"hour": 2, "minute": 44}
